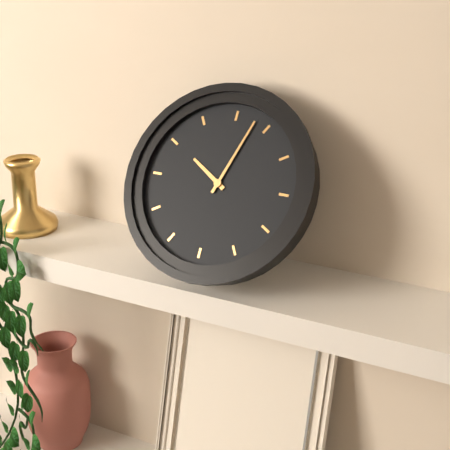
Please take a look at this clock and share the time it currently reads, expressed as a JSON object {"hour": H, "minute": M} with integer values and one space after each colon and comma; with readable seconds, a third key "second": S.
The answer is {"hour": 10, "minute": 3}
